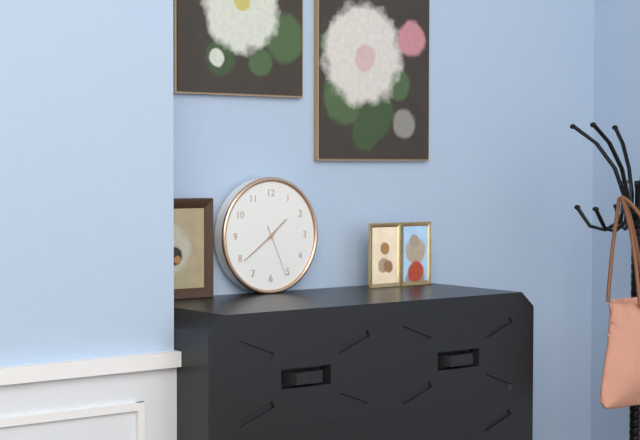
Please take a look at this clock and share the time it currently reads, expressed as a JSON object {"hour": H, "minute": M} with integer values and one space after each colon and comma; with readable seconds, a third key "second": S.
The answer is {"hour": 1, "minute": 39, "second": 26}
